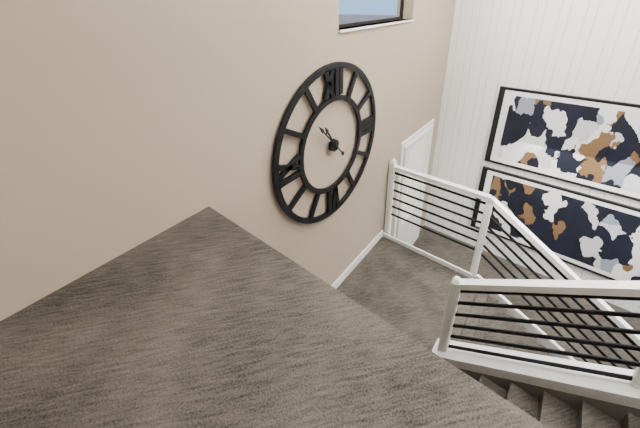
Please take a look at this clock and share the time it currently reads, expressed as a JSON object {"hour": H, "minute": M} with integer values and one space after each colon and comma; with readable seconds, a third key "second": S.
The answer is {"hour": 10, "minute": 53}
